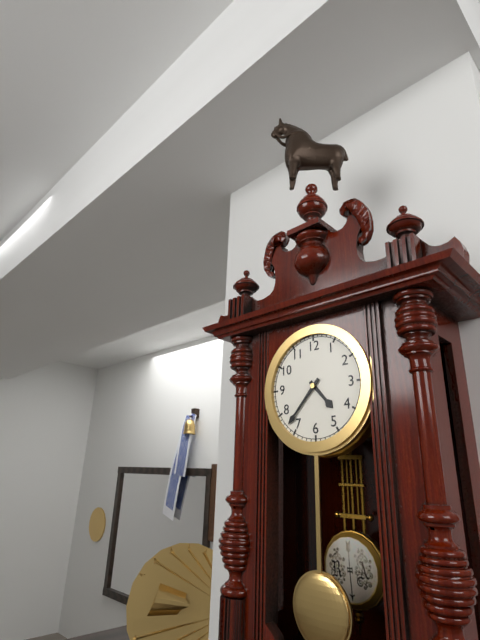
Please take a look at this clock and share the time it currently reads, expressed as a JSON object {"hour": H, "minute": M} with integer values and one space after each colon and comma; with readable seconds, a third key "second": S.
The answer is {"hour": 4, "minute": 37}
